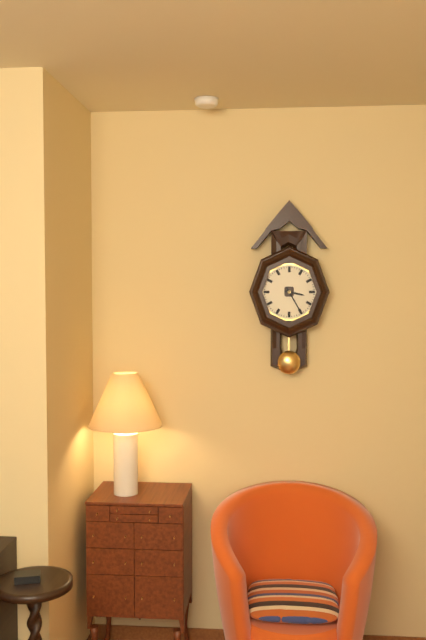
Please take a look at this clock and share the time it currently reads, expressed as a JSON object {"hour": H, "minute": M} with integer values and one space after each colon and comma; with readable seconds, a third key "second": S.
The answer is {"hour": 3, "minute": 25}
